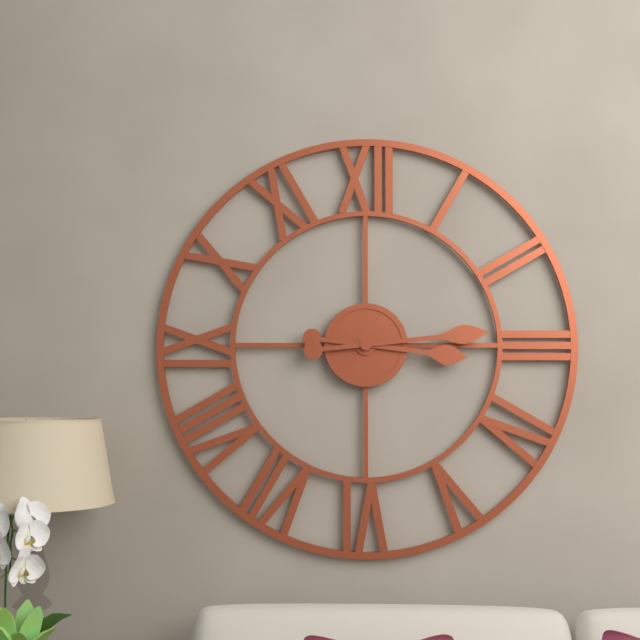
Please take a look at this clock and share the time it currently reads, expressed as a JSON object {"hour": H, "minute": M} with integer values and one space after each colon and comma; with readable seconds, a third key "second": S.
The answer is {"hour": 3, "minute": 14}
